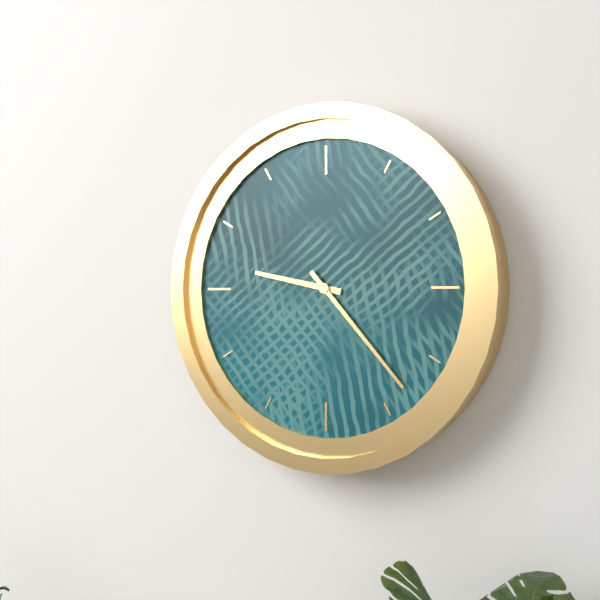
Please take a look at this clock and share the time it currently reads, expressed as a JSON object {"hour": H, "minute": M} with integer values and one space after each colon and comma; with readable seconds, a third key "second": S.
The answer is {"hour": 9, "minute": 23}
